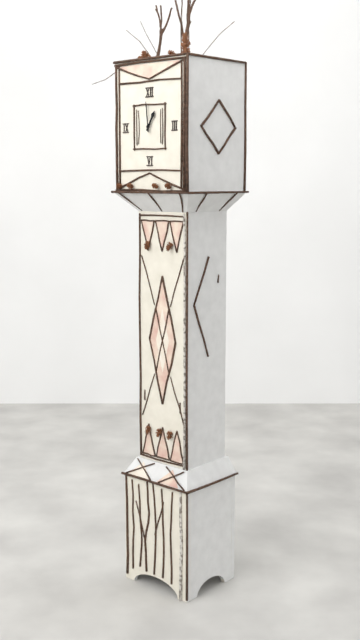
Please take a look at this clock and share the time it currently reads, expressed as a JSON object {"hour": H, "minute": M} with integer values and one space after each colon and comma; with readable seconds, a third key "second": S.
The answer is {"hour": 12, "minute": 59}
